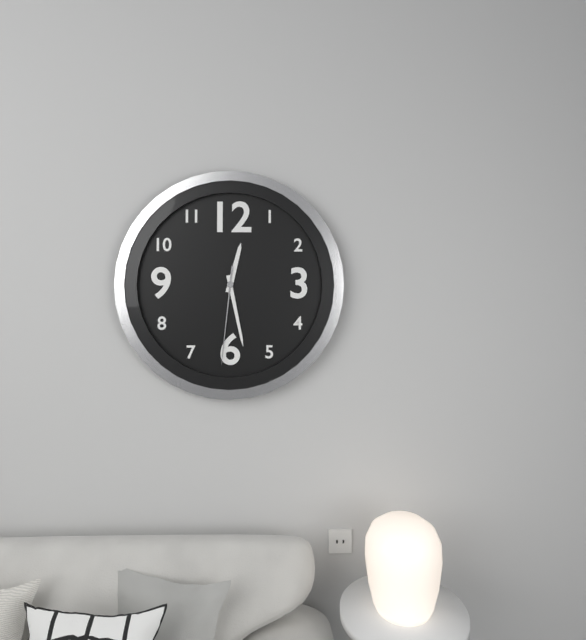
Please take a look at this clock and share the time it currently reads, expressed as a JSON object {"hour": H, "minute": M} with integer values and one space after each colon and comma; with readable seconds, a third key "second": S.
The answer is {"hour": 12, "minute": 28, "second": 31}
